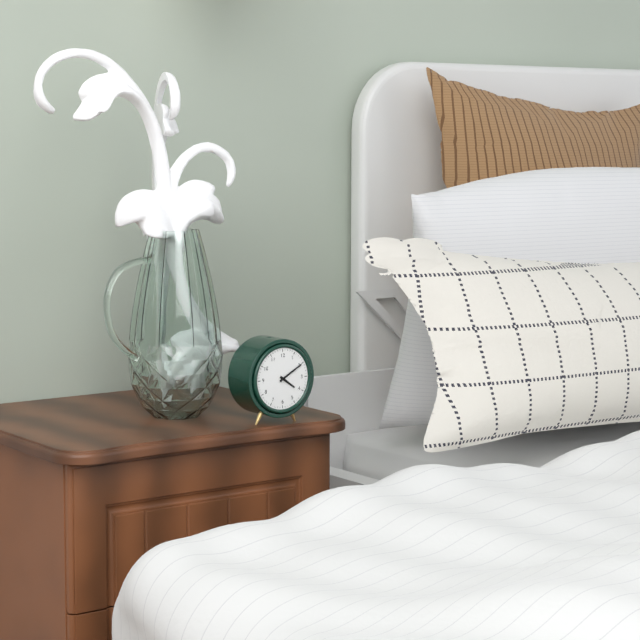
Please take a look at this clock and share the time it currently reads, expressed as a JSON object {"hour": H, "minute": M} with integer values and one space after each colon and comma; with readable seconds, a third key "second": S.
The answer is {"hour": 4, "minute": 10}
